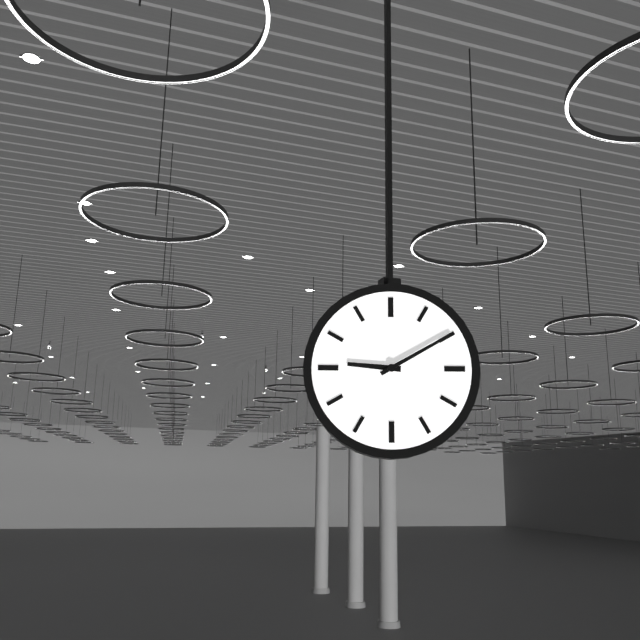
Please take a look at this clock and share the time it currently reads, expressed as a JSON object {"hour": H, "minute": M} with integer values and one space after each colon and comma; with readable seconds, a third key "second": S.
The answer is {"hour": 9, "minute": 10}
